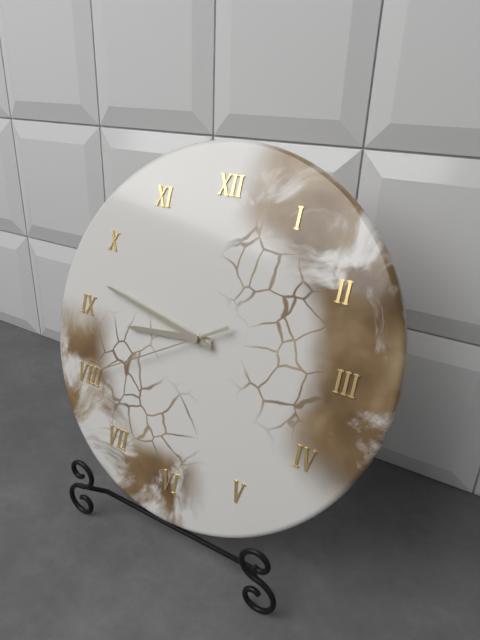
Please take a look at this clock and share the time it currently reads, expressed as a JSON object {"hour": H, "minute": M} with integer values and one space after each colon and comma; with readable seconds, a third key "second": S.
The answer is {"hour": 8, "minute": 47, "second": 40}
